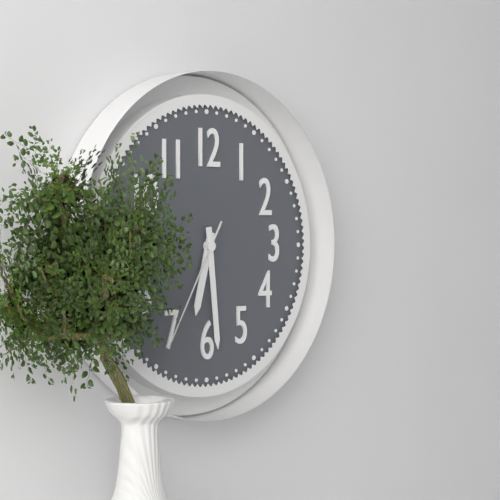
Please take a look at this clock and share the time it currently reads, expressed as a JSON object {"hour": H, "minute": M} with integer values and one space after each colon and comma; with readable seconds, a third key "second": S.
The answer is {"hour": 6, "minute": 29, "second": 35}
